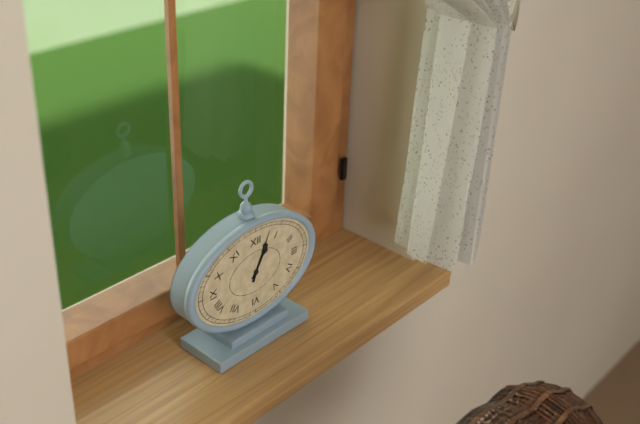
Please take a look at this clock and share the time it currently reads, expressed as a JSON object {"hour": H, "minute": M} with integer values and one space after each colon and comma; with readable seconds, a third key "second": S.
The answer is {"hour": 1, "minute": 4}
